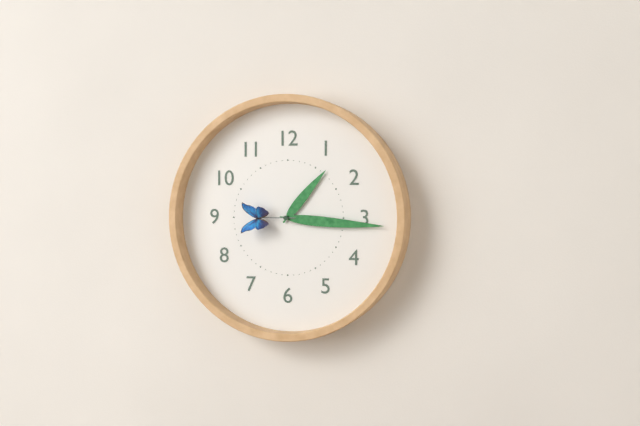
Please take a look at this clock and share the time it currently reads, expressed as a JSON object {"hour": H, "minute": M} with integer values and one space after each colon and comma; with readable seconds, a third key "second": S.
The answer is {"hour": 1, "minute": 16, "second": 45}
